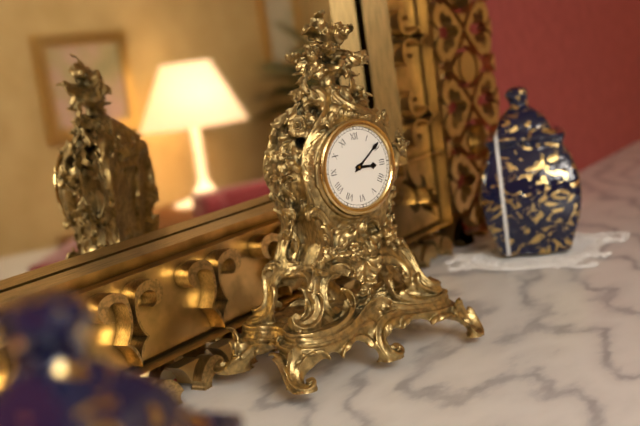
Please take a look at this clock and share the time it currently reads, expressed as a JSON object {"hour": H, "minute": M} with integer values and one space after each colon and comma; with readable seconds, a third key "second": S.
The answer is {"hour": 3, "minute": 9}
